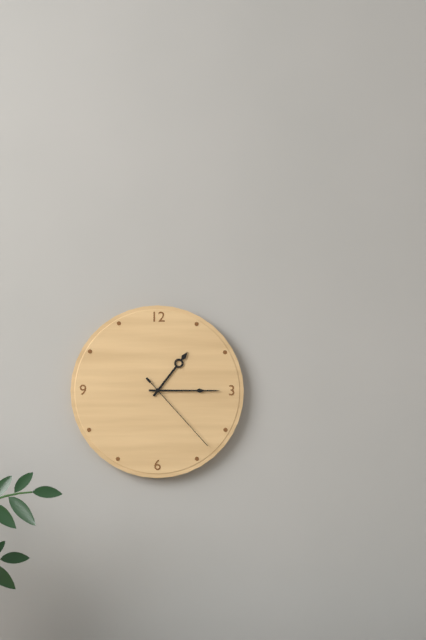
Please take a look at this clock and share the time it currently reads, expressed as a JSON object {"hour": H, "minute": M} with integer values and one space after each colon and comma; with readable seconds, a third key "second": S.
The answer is {"hour": 1, "minute": 15, "second": 23}
